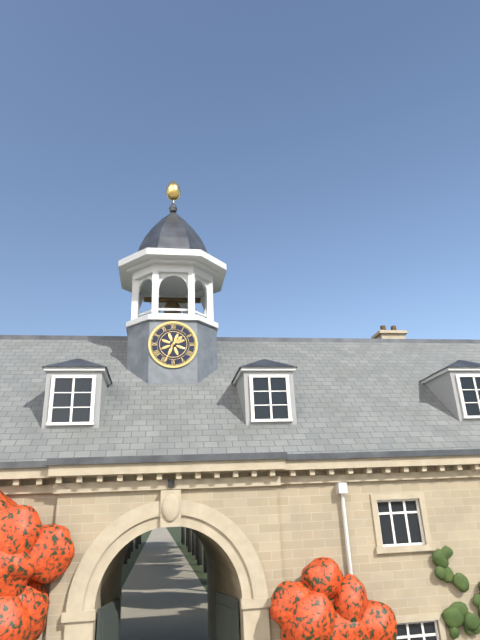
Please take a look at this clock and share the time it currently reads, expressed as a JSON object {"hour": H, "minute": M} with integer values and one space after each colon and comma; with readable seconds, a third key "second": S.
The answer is {"hour": 1, "minute": 34}
